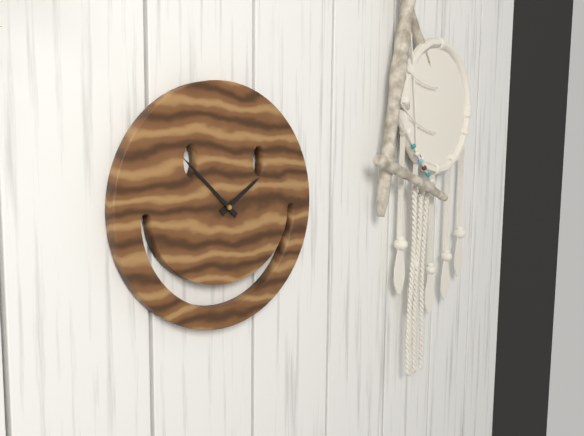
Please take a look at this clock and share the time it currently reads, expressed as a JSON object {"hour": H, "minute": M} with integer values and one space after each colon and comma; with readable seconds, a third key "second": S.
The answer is {"hour": 1, "minute": 52}
